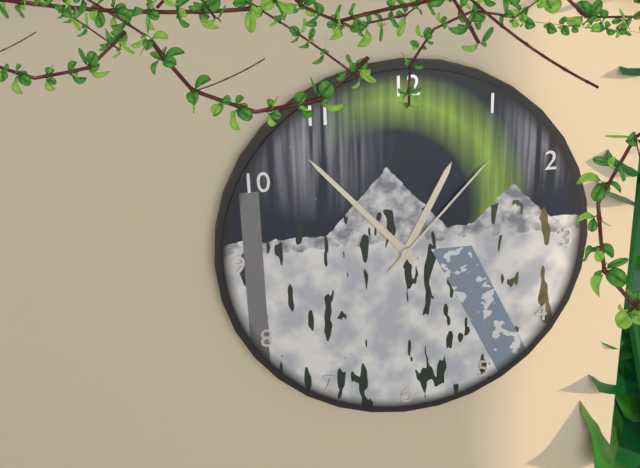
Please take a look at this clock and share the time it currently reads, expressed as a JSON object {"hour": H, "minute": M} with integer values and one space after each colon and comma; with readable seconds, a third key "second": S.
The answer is {"hour": 12, "minute": 53, "second": 7}
